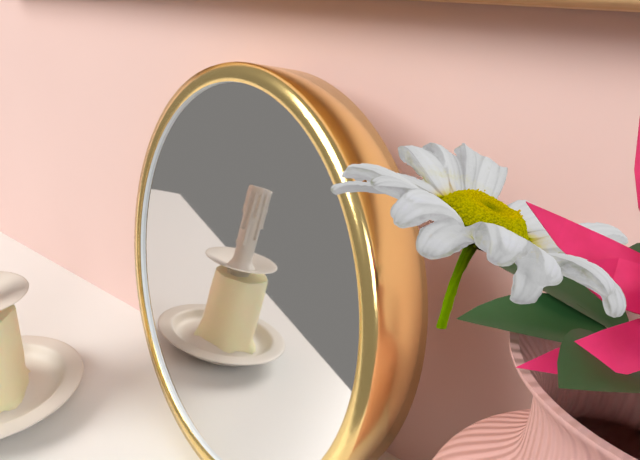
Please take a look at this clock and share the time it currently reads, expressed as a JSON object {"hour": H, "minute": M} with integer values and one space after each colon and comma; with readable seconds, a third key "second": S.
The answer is {"hour": 10, "minute": 50, "second": 48}
